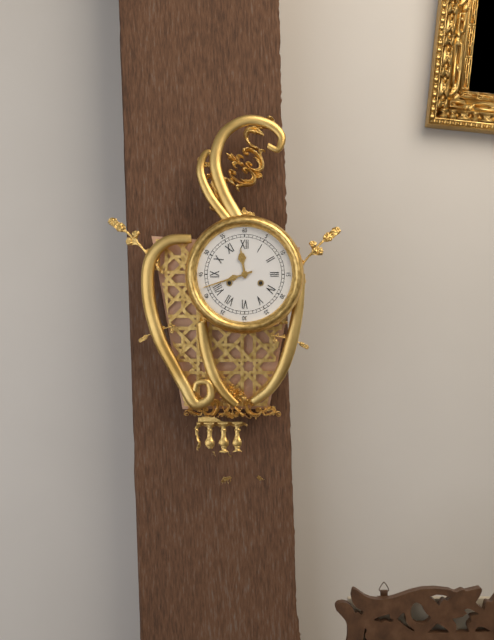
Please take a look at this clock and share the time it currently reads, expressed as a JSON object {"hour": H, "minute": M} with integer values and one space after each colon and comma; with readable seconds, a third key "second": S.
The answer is {"hour": 11, "minute": 42}
